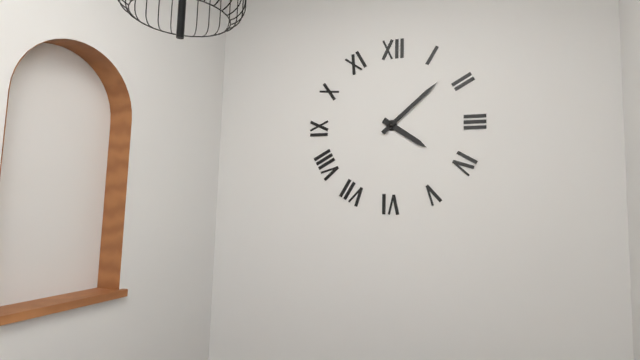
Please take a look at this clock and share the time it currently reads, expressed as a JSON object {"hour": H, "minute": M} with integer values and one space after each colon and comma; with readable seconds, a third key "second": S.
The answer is {"hour": 4, "minute": 8}
